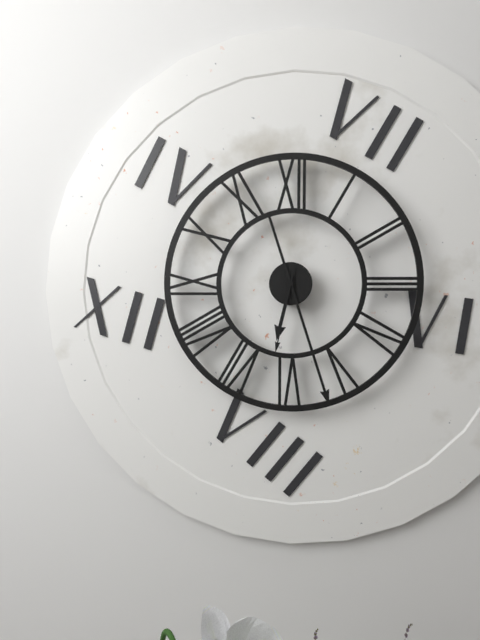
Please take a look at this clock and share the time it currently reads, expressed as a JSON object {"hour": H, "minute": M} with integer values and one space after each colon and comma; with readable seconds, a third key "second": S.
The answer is {"hour": 6, "minute": 27, "second": 32}
